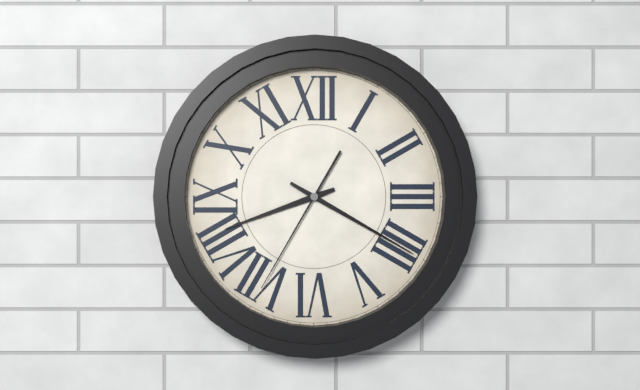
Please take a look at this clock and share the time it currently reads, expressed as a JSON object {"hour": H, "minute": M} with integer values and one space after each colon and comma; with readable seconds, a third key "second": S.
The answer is {"hour": 8, "minute": 20, "second": 35}
